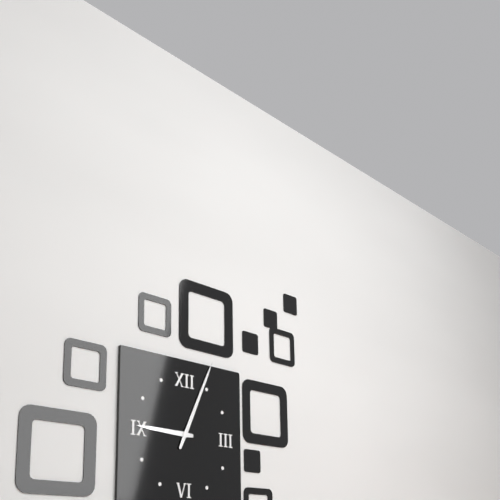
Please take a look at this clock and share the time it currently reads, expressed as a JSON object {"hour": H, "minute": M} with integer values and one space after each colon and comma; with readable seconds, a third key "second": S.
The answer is {"hour": 9, "minute": 4}
